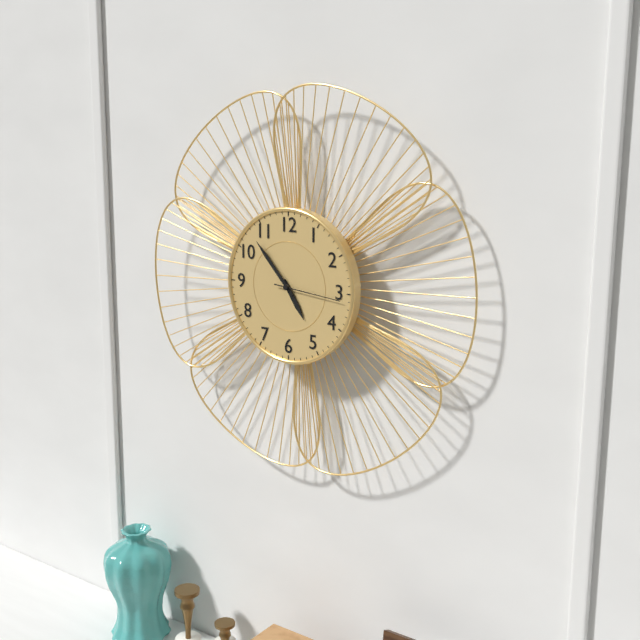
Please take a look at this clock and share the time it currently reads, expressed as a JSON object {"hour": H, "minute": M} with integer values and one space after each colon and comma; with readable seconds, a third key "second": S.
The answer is {"hour": 4, "minute": 53, "second": 16}
